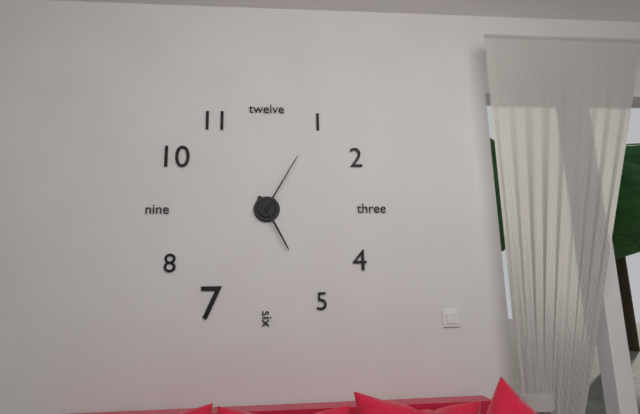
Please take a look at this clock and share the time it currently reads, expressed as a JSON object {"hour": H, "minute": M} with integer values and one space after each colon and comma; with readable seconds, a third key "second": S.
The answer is {"hour": 5, "minute": 5}
